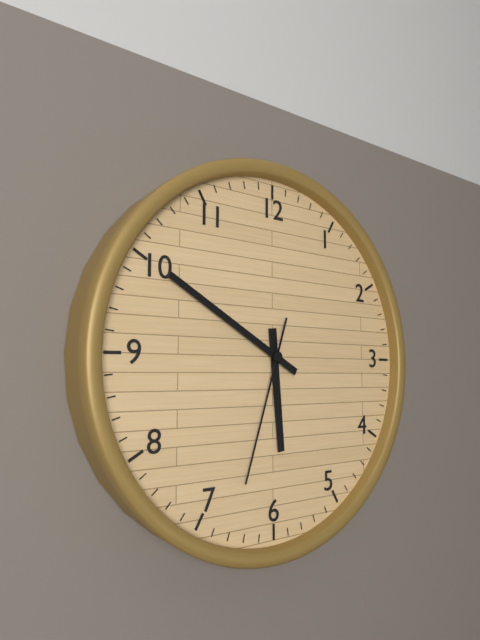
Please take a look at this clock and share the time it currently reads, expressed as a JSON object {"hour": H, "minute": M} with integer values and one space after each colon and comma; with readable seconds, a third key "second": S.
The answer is {"hour": 5, "minute": 50, "second": 33}
